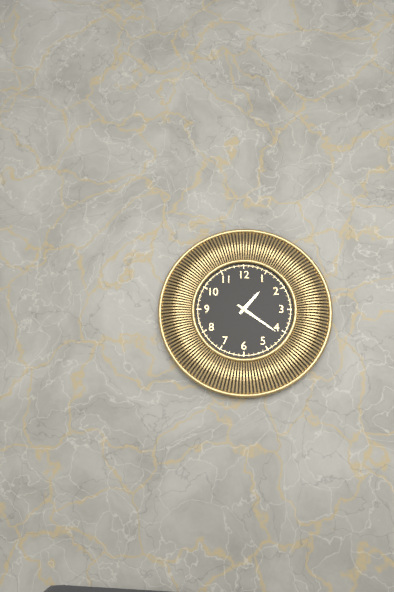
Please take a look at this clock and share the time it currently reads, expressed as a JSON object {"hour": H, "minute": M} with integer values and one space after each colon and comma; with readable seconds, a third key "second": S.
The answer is {"hour": 1, "minute": 21}
